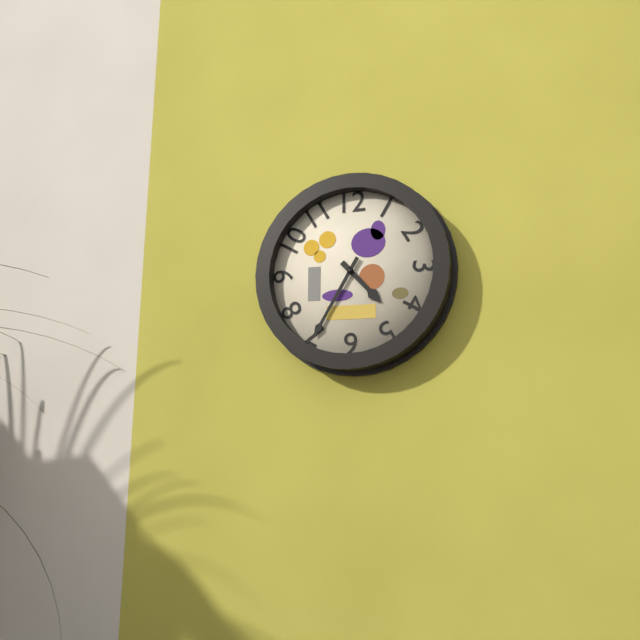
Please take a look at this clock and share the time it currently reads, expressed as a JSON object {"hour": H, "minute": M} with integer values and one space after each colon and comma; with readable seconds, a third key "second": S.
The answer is {"hour": 4, "minute": 35}
